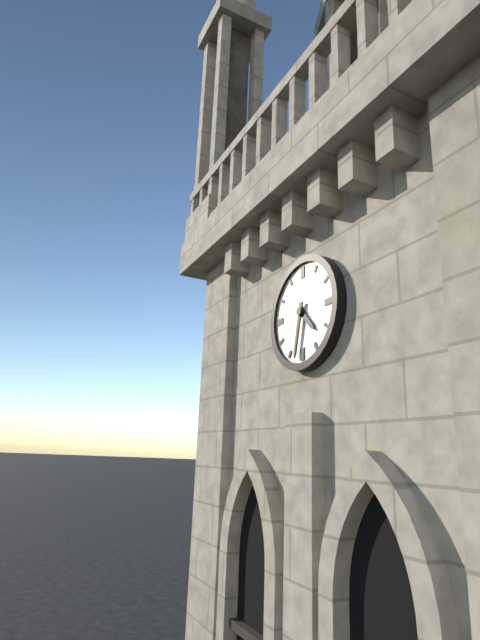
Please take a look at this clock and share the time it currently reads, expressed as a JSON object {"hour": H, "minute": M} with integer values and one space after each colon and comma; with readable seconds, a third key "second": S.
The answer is {"hour": 4, "minute": 32}
